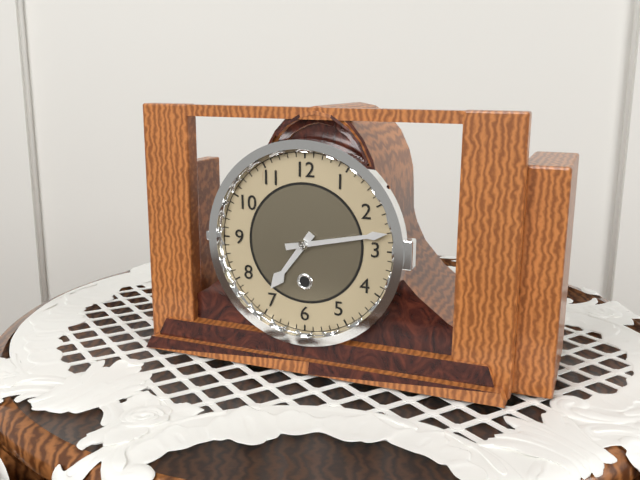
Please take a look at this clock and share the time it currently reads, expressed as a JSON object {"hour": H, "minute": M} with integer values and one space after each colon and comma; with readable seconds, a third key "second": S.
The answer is {"hour": 7, "minute": 13}
